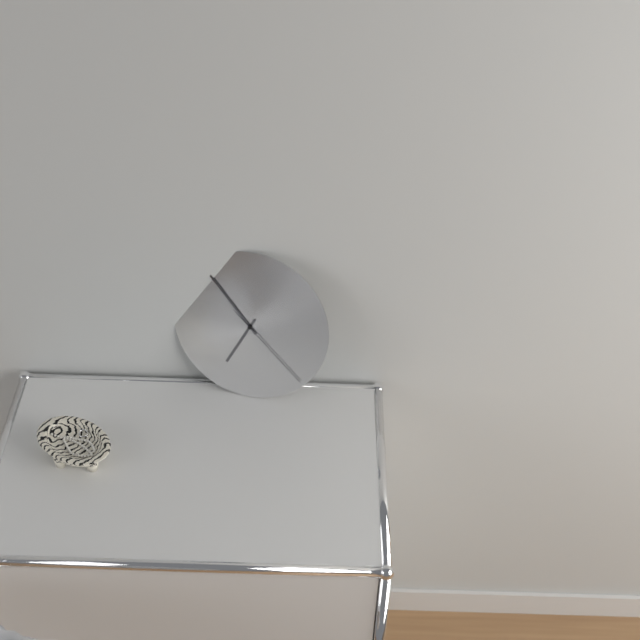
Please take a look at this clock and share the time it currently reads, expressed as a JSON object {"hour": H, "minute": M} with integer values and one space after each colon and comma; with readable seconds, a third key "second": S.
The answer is {"hour": 6, "minute": 53, "second": 22}
